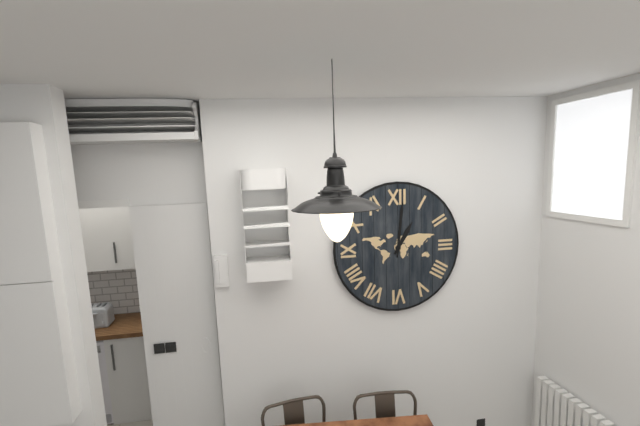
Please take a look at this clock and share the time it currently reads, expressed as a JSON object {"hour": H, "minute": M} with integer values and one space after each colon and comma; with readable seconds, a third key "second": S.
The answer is {"hour": 1, "minute": 1}
